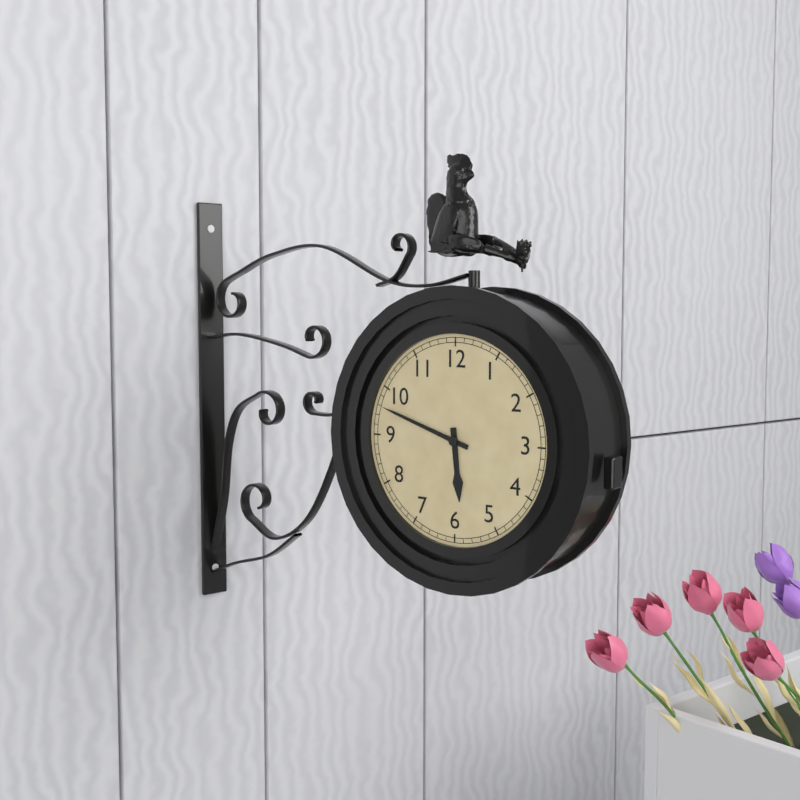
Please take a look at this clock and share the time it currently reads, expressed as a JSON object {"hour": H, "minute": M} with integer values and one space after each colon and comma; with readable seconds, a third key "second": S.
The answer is {"hour": 5, "minute": 48}
